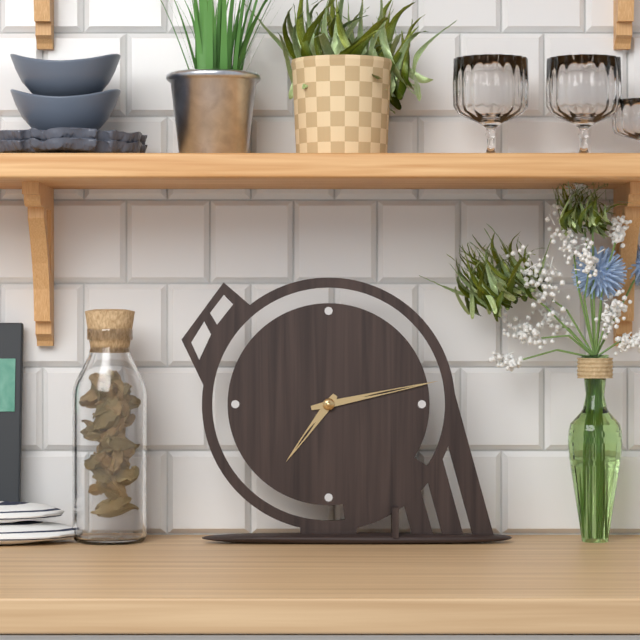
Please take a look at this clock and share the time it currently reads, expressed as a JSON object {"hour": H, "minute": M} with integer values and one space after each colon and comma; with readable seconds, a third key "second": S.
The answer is {"hour": 7, "minute": 13}
